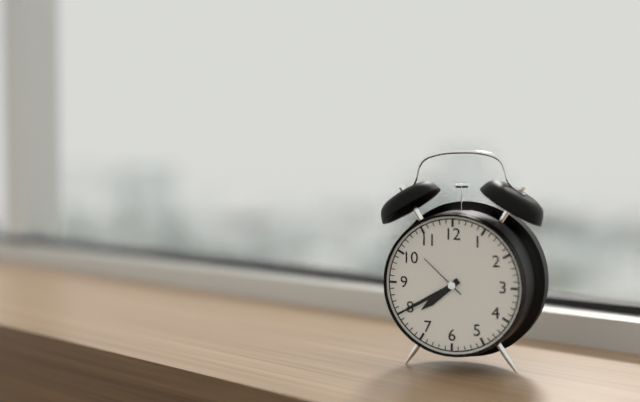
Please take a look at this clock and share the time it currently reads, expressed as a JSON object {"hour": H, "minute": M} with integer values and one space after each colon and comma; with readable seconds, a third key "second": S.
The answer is {"hour": 7, "minute": 40, "second": 52}
